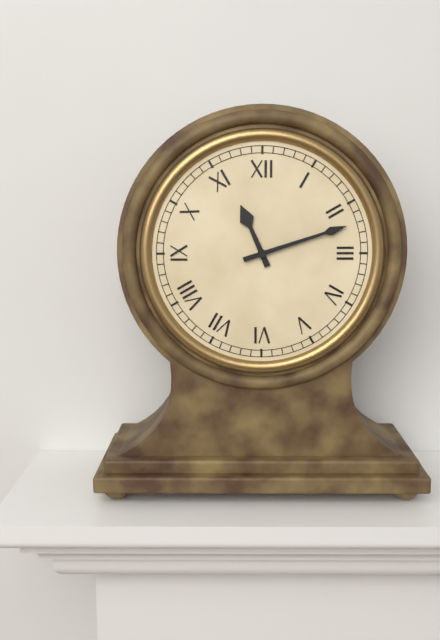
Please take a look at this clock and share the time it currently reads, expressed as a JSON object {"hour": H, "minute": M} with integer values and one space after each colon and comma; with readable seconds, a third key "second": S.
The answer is {"hour": 11, "minute": 12}
